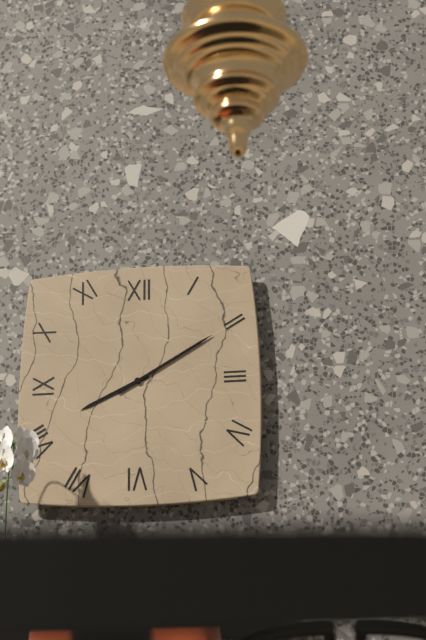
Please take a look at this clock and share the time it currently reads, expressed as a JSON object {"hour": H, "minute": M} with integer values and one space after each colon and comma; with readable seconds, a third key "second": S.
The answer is {"hour": 8, "minute": 10}
